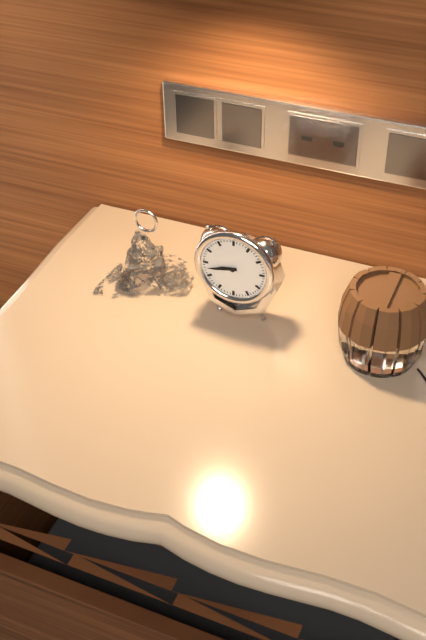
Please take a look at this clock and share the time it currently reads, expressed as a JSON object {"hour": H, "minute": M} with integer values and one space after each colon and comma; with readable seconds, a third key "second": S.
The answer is {"hour": 8, "minute": 43}
